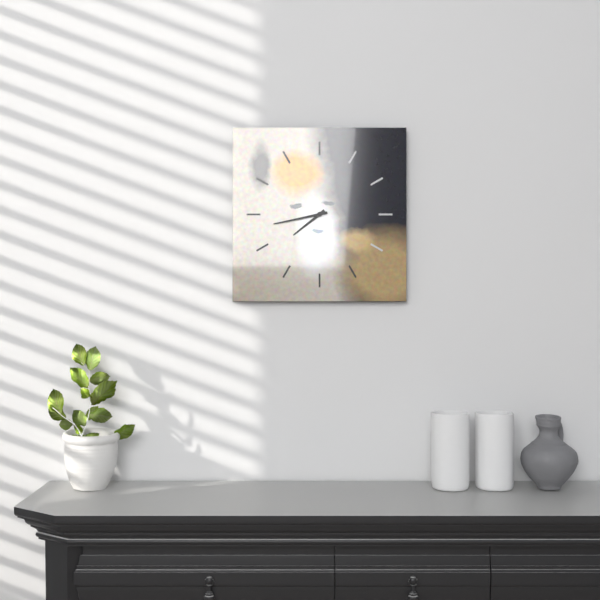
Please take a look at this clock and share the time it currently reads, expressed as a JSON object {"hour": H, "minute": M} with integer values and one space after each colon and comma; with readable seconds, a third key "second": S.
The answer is {"hour": 7, "minute": 43}
